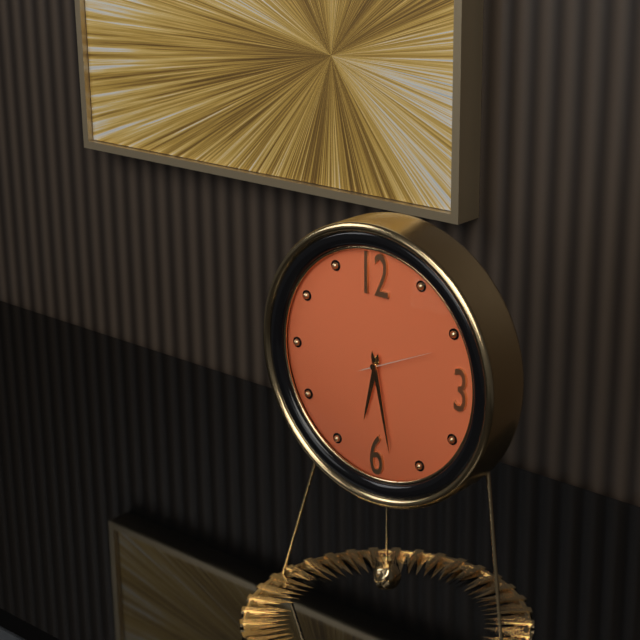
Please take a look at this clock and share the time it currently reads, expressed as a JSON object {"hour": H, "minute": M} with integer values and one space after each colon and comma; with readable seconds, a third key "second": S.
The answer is {"hour": 6, "minute": 28, "second": 11}
